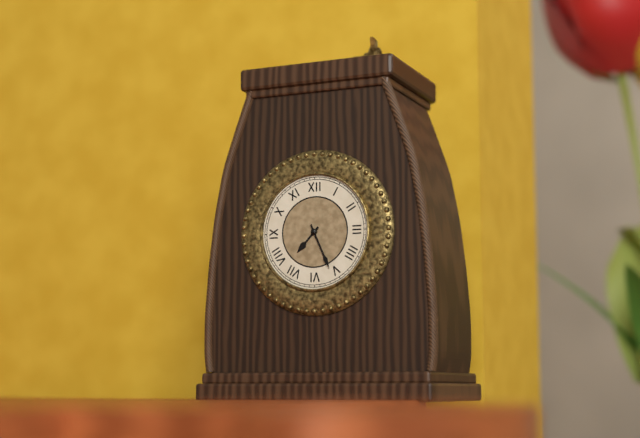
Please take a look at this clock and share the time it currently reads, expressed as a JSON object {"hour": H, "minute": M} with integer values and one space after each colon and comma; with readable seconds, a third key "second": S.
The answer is {"hour": 7, "minute": 26}
